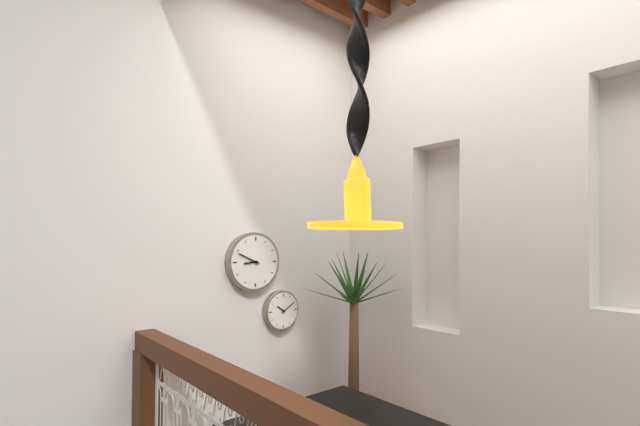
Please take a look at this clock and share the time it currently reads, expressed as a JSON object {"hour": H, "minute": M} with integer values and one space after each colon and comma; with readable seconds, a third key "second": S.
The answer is {"hour": 8, "minute": 49}
